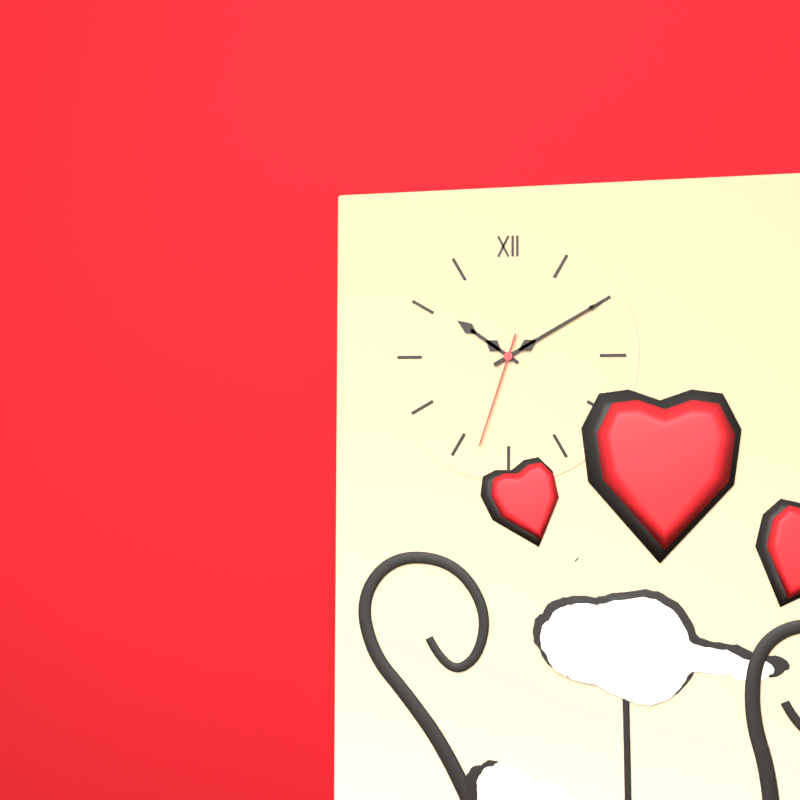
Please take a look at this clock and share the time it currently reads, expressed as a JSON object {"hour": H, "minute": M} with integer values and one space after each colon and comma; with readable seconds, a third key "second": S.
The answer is {"hour": 10, "minute": 10, "second": 33}
